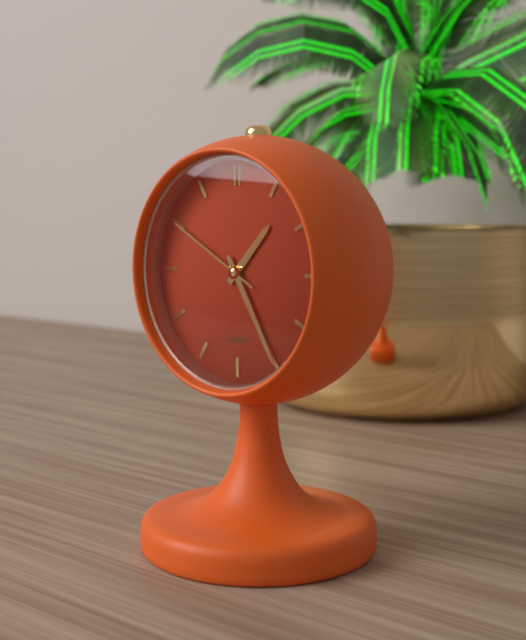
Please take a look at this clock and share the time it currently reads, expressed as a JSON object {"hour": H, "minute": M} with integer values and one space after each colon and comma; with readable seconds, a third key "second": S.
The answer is {"hour": 1, "minute": 25, "second": 50}
